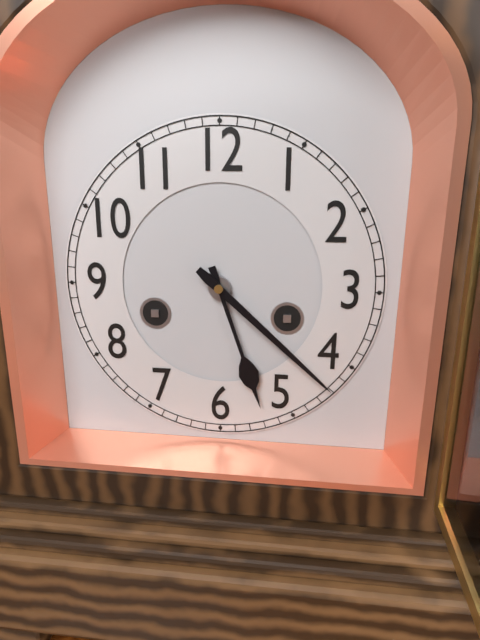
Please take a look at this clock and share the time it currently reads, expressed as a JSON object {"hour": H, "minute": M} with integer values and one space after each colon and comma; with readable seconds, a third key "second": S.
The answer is {"hour": 5, "minute": 22}
